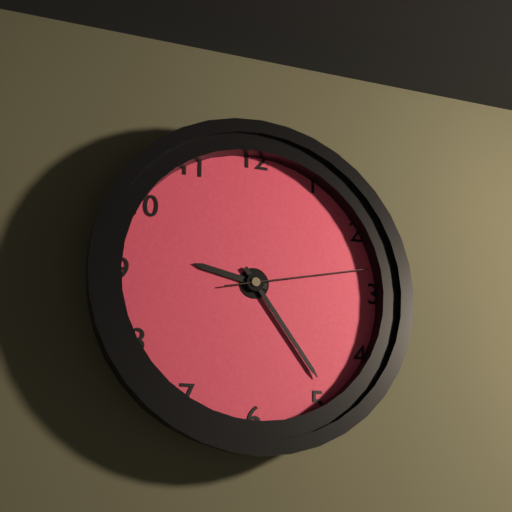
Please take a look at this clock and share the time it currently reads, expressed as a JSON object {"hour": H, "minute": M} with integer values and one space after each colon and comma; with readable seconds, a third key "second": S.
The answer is {"hour": 9, "minute": 24, "second": 13}
